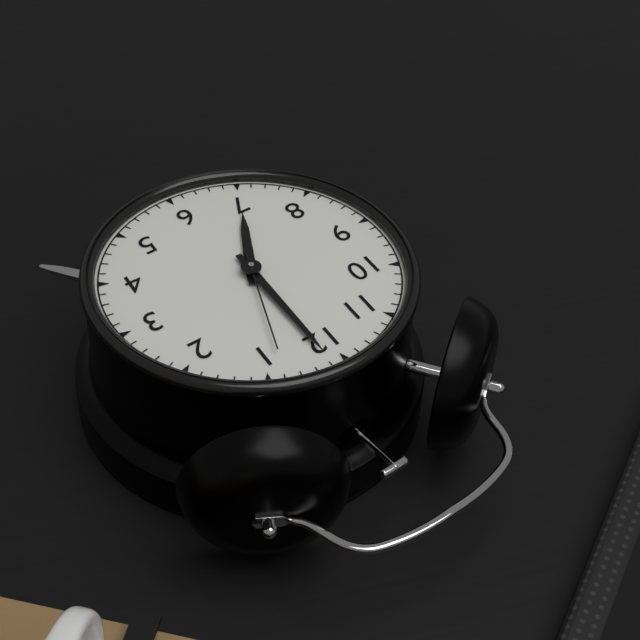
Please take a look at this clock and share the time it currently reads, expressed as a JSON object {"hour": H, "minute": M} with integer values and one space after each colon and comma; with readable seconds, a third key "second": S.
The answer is {"hour": 7, "minute": 1, "second": 4}
